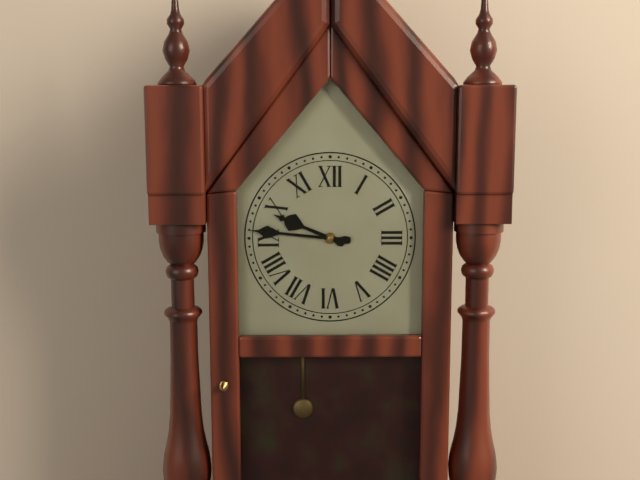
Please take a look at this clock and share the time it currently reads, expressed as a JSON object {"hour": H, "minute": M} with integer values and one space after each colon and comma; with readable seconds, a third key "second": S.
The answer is {"hour": 9, "minute": 46}
